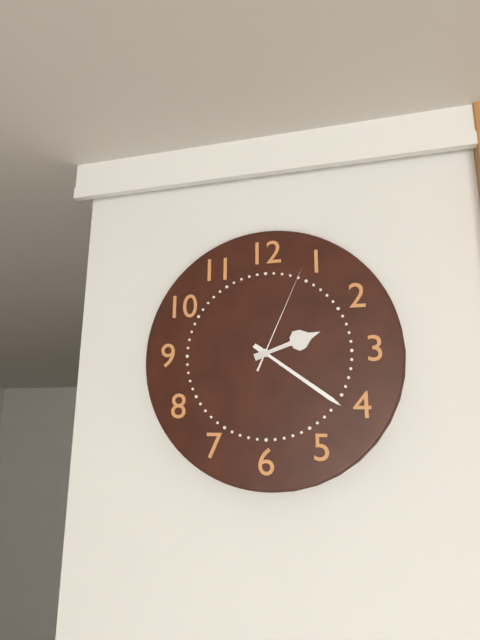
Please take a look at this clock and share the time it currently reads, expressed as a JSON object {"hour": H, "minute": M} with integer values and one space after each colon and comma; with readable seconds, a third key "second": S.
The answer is {"hour": 2, "minute": 21, "second": 4}
